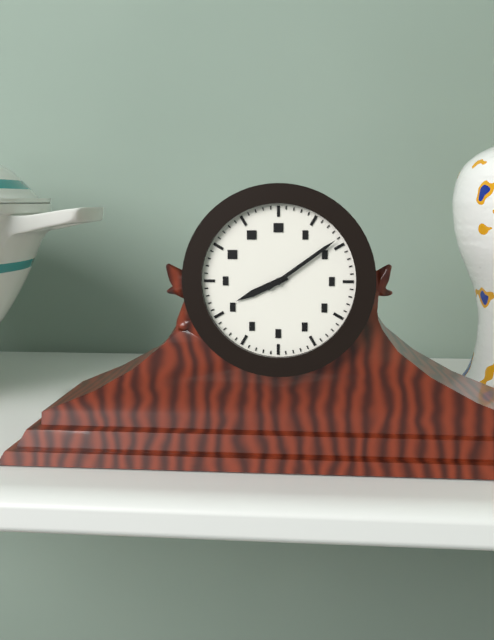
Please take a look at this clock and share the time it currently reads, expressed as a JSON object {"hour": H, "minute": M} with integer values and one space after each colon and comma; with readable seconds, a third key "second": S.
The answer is {"hour": 8, "minute": 9}
